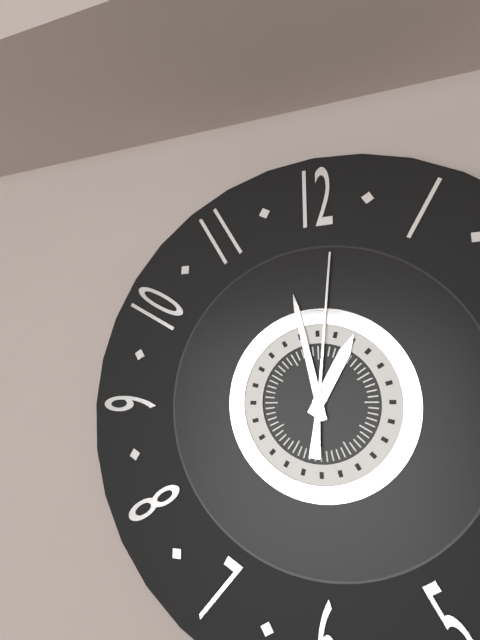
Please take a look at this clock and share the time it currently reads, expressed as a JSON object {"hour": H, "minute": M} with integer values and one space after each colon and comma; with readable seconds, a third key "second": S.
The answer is {"hour": 12, "minute": 58, "second": 1}
